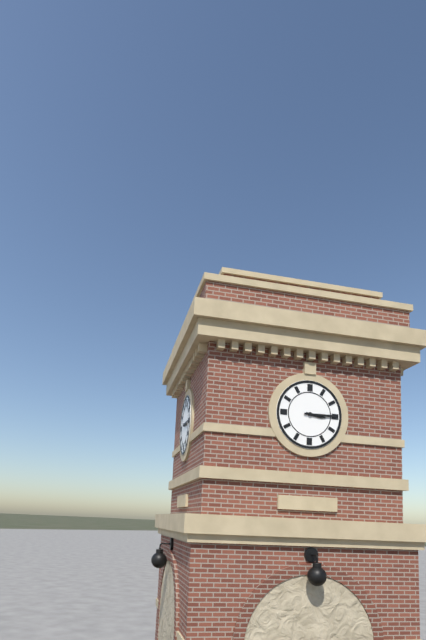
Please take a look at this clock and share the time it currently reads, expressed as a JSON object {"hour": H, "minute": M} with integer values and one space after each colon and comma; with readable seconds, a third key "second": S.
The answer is {"hour": 3, "minute": 15}
